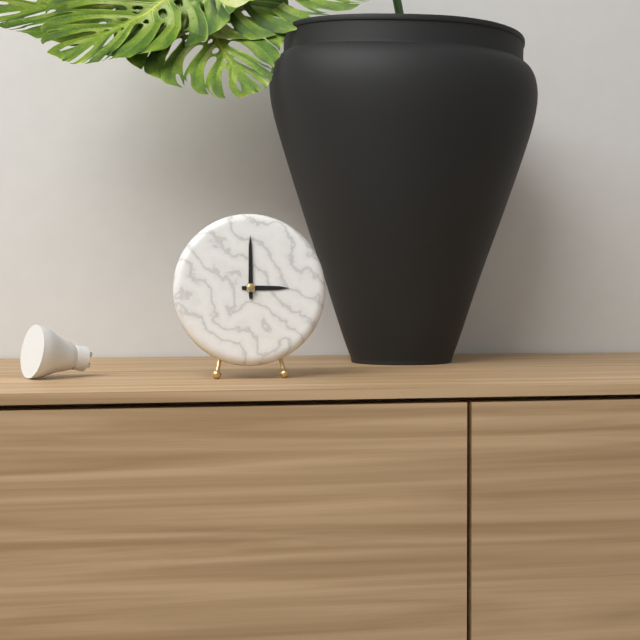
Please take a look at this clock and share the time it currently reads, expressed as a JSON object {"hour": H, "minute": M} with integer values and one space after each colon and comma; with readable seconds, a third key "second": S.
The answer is {"hour": 3, "minute": 0}
